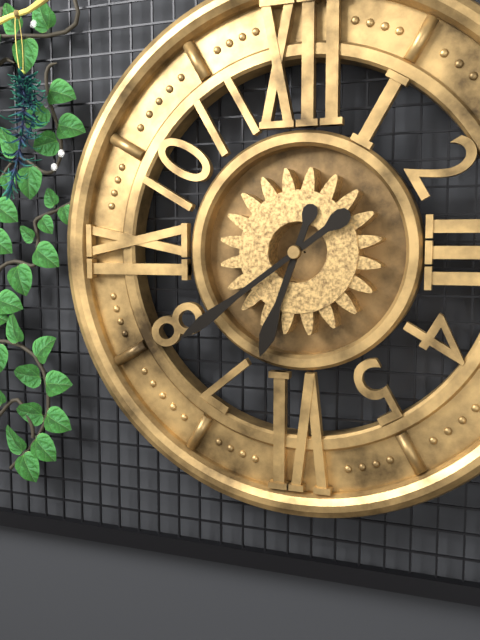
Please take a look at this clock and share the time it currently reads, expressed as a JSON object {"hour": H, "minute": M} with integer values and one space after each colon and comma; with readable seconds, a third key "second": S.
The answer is {"hour": 6, "minute": 39}
